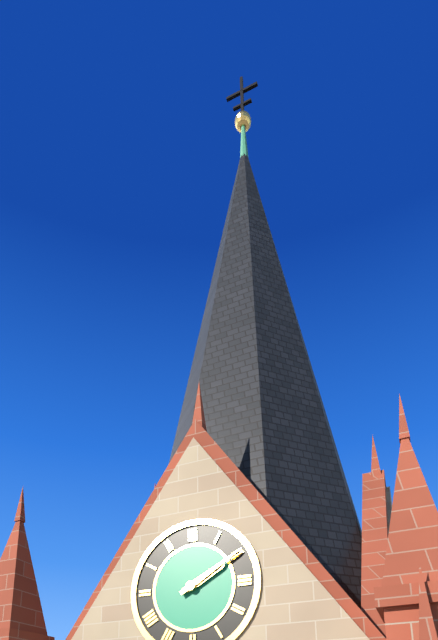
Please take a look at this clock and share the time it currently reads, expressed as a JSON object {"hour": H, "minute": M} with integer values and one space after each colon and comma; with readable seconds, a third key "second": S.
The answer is {"hour": 2, "minute": 10}
